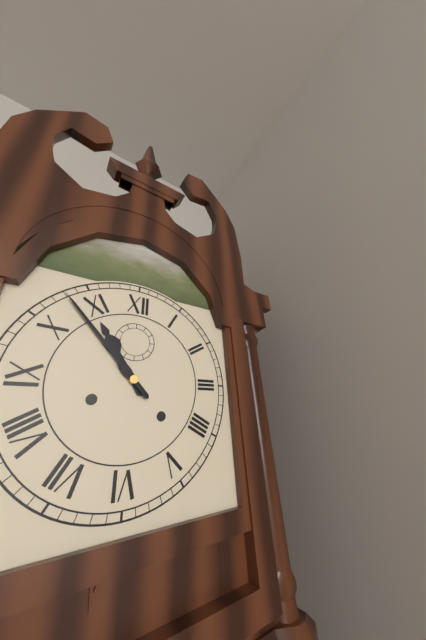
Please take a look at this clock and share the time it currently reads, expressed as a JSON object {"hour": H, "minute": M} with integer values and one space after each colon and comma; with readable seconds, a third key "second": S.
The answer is {"hour": 10, "minute": 53}
